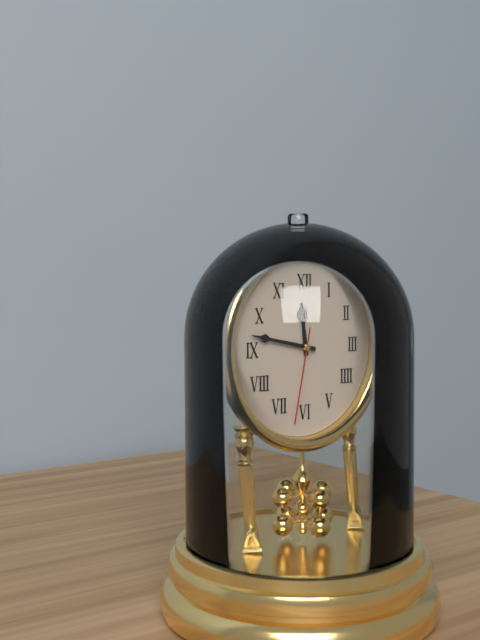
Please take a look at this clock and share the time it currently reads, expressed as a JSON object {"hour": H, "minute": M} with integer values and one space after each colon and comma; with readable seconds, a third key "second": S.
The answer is {"hour": 11, "minute": 47, "second": 32}
